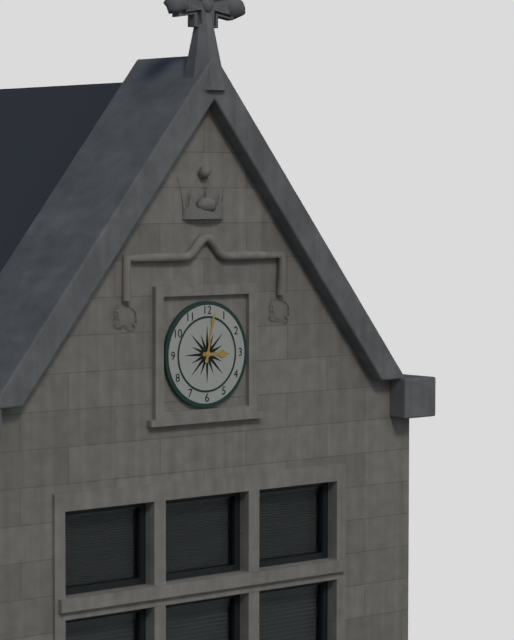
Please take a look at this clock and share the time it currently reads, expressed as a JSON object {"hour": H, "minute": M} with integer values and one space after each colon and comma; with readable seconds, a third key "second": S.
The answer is {"hour": 3, "minute": 2}
